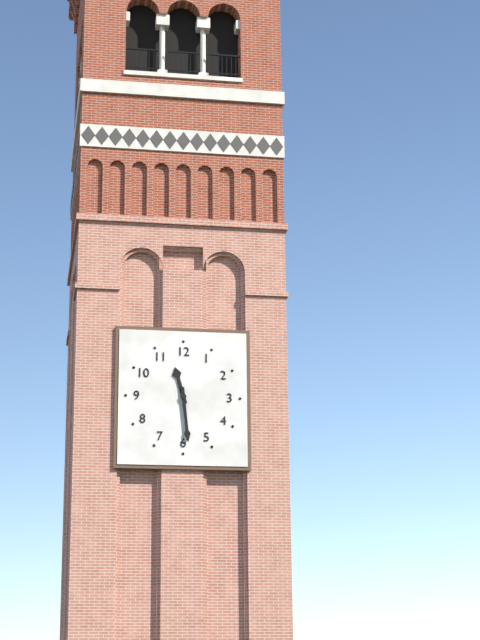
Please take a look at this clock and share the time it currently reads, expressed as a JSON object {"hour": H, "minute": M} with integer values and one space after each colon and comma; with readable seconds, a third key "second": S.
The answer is {"hour": 11, "minute": 29}
